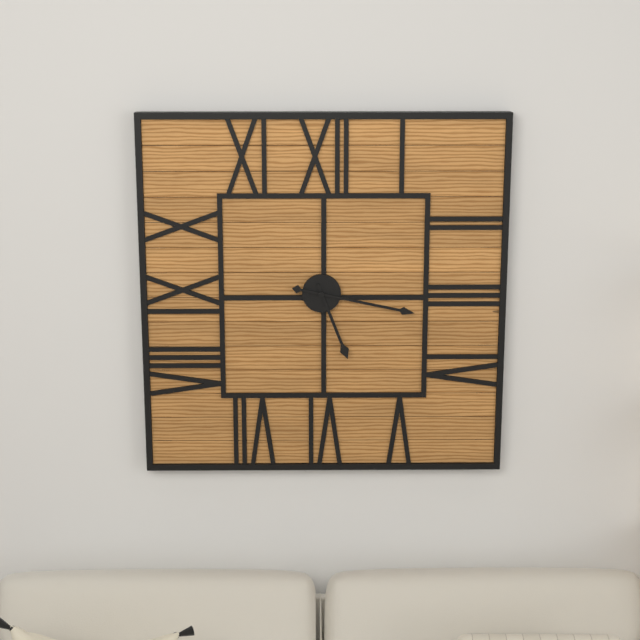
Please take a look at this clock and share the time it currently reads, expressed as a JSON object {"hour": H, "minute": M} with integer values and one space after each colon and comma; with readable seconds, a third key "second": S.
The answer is {"hour": 5, "minute": 17}
